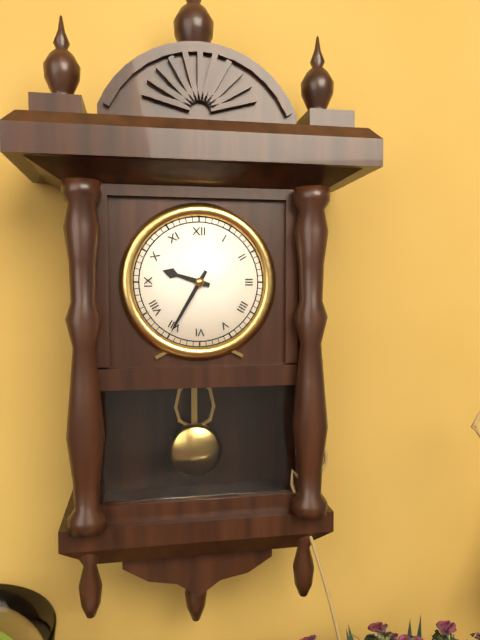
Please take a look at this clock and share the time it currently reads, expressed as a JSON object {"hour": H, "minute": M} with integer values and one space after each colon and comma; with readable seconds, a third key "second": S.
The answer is {"hour": 9, "minute": 35}
